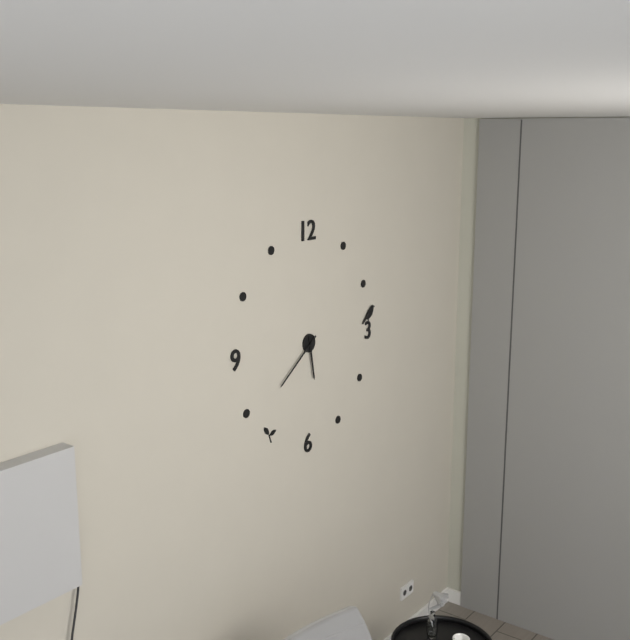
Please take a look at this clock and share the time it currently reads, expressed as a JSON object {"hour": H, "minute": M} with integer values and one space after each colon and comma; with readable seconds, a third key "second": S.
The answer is {"hour": 5, "minute": 39}
